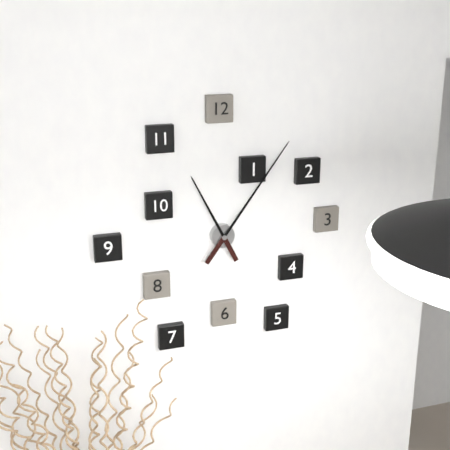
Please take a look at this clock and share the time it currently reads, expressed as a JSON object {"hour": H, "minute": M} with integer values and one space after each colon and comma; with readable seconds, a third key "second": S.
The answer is {"hour": 11, "minute": 6}
